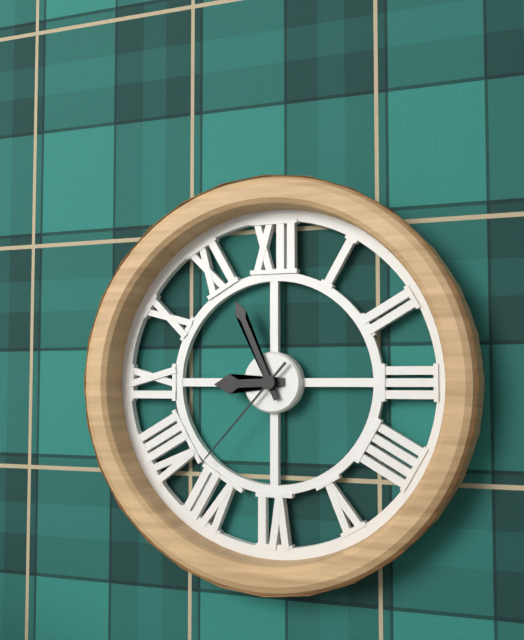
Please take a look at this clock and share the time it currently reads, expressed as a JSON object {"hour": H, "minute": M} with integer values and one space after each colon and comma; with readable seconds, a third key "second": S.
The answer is {"hour": 8, "minute": 56, "second": 37}
